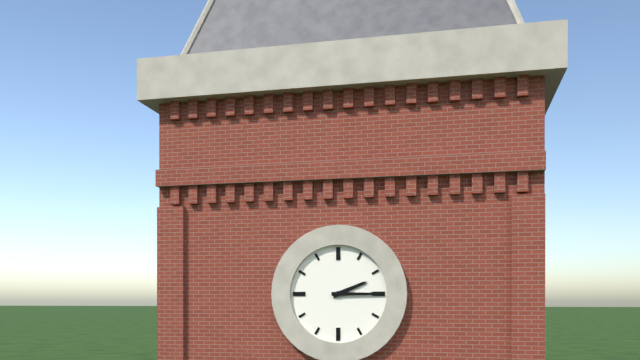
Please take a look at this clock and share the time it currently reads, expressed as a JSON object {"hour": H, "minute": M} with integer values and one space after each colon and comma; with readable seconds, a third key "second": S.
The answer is {"hour": 2, "minute": 15}
